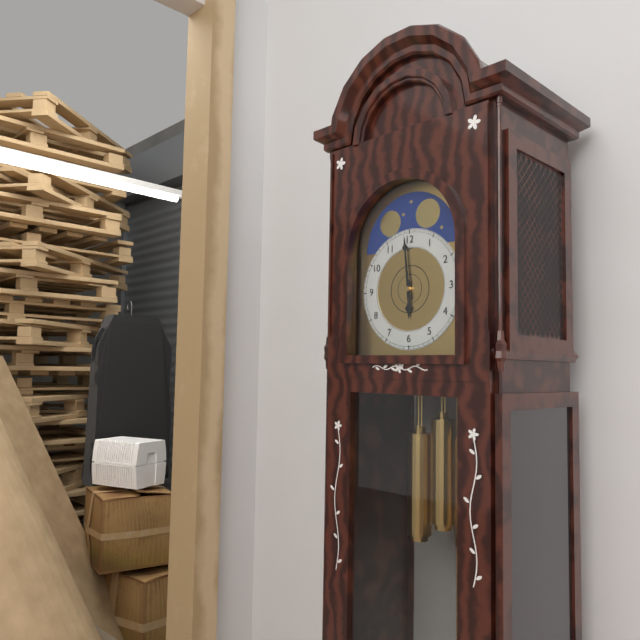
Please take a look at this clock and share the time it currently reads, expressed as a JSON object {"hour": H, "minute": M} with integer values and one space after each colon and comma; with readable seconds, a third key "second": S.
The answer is {"hour": 5, "minute": 59}
